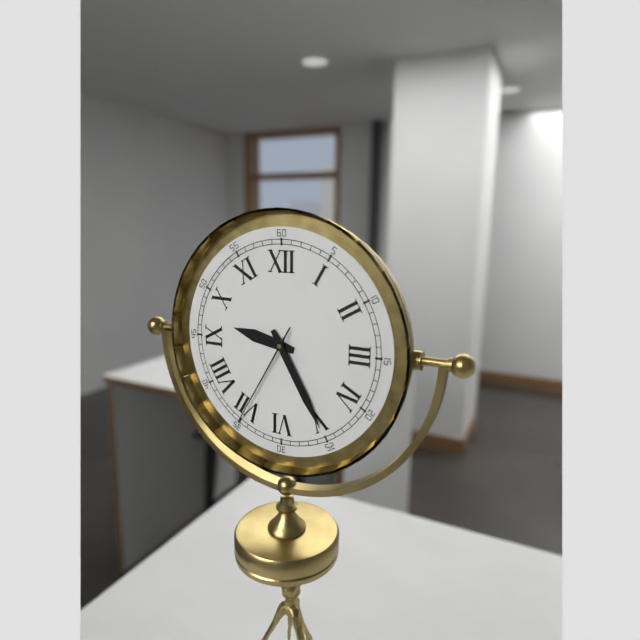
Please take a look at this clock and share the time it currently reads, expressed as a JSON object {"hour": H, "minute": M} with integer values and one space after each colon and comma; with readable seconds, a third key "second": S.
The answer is {"hour": 9, "minute": 25, "second": 35}
